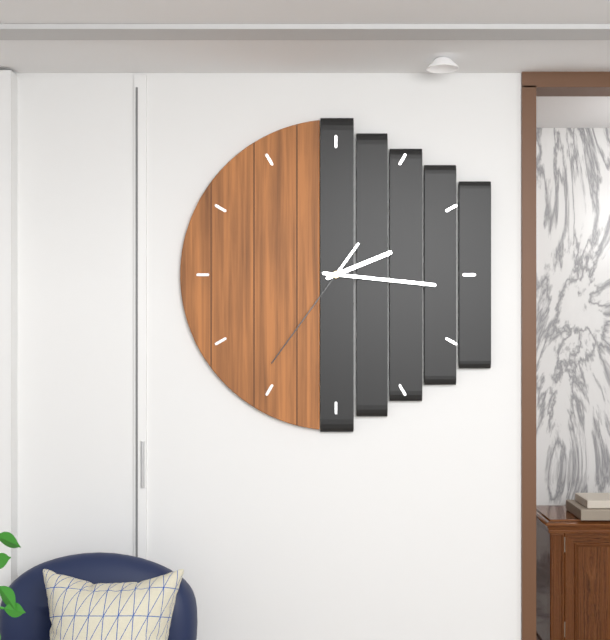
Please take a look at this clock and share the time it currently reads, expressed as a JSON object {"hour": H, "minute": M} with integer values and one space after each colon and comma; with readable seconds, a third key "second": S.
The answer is {"hour": 2, "minute": 16, "second": 36}
